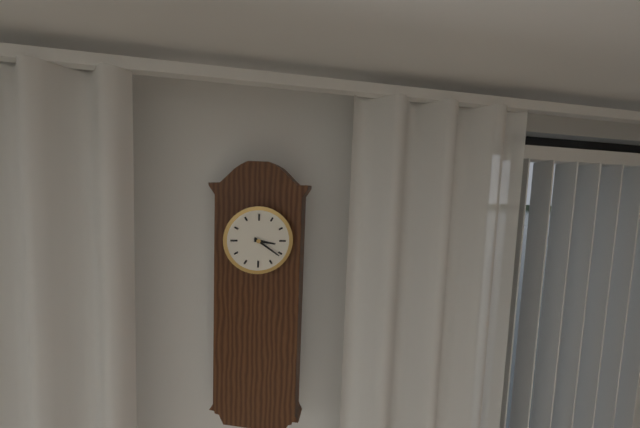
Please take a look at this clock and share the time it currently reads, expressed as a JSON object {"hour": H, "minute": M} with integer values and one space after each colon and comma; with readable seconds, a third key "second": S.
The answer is {"hour": 3, "minute": 21}
